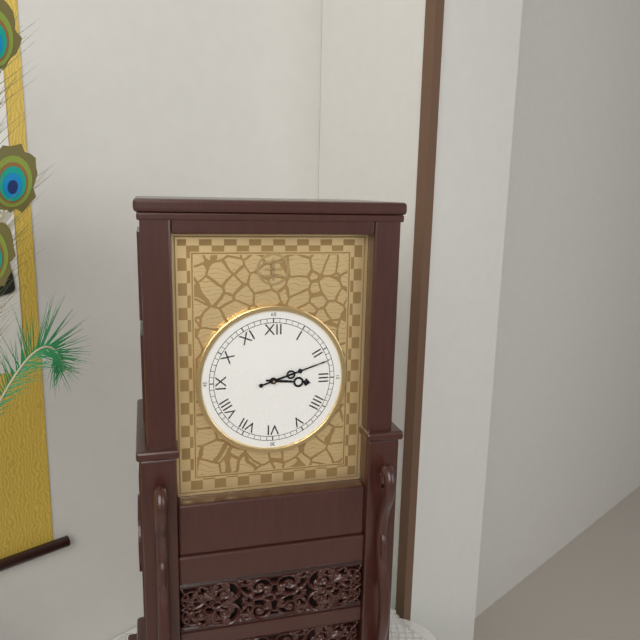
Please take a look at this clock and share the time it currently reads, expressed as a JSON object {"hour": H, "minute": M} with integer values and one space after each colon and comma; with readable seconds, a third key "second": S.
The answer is {"hour": 3, "minute": 12}
